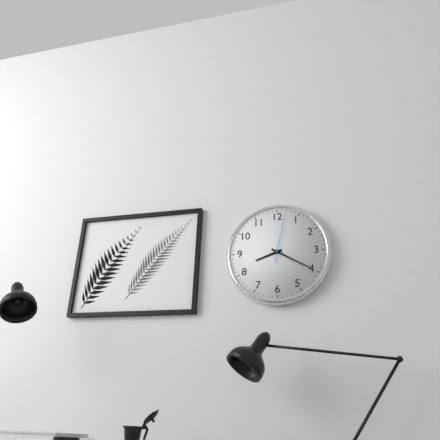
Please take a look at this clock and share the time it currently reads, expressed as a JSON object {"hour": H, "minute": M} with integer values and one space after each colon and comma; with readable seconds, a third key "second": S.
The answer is {"hour": 8, "minute": 20}
